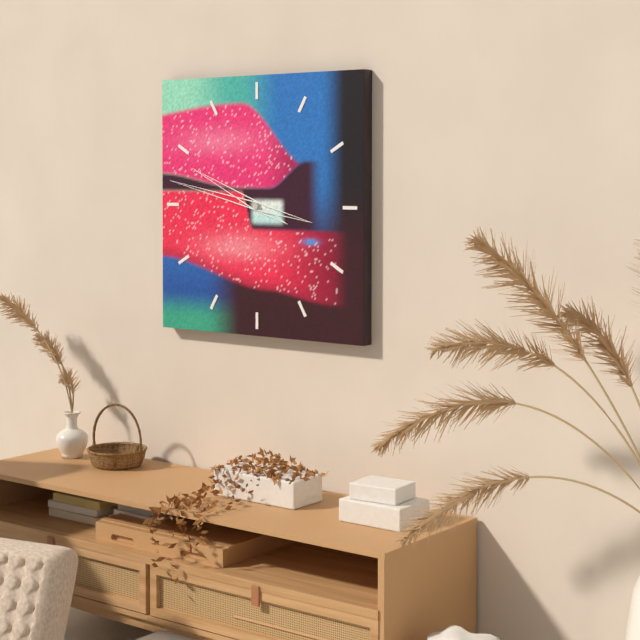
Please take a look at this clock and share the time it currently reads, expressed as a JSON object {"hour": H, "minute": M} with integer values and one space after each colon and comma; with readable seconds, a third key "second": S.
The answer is {"hour": 9, "minute": 47}
